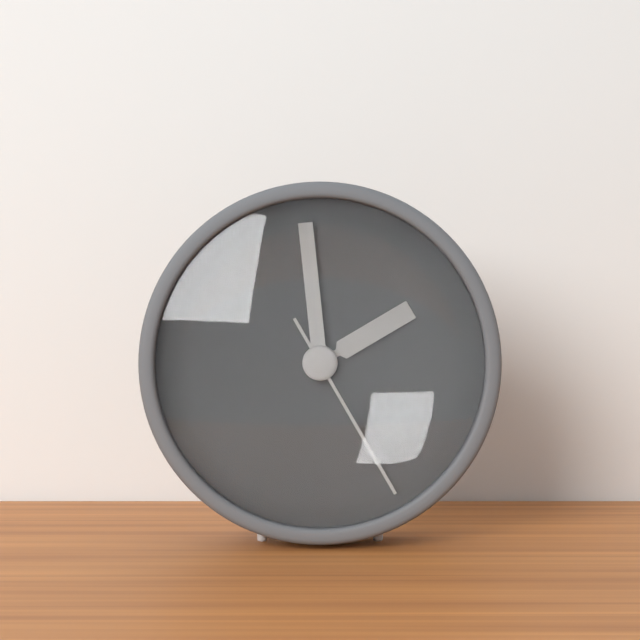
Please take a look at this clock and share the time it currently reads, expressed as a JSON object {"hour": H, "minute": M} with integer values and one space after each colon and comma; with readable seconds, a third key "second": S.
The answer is {"hour": 1, "minute": 59, "second": 25}
